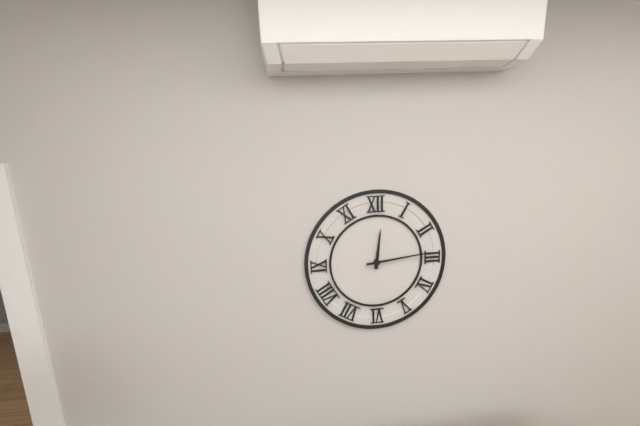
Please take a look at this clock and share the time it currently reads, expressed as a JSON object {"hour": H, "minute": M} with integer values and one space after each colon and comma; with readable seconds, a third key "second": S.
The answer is {"hour": 12, "minute": 14}
